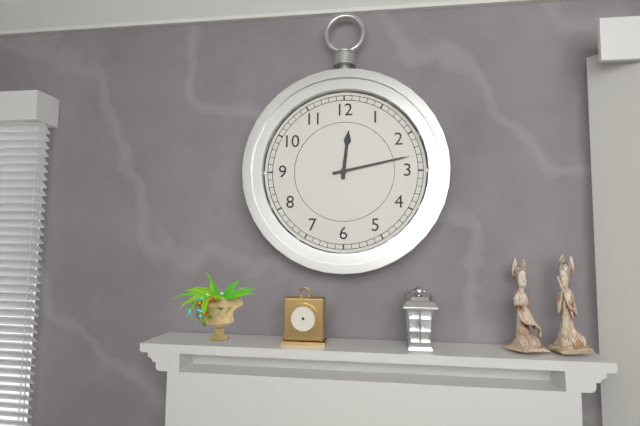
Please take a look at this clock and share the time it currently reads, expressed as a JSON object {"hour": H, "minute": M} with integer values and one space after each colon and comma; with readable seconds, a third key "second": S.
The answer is {"hour": 12, "minute": 13}
